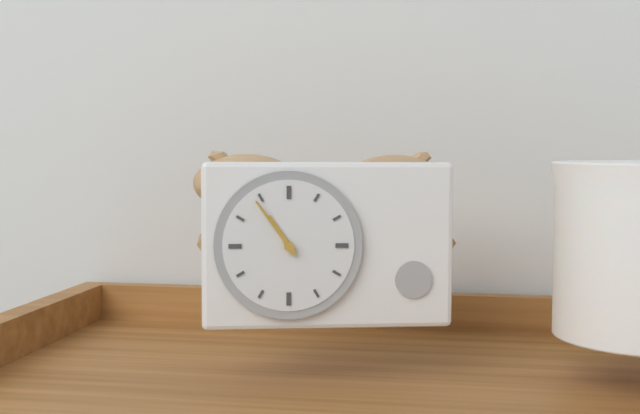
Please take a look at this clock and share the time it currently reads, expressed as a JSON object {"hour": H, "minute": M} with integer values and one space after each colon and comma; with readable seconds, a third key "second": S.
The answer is {"hour": 10, "minute": 54}
